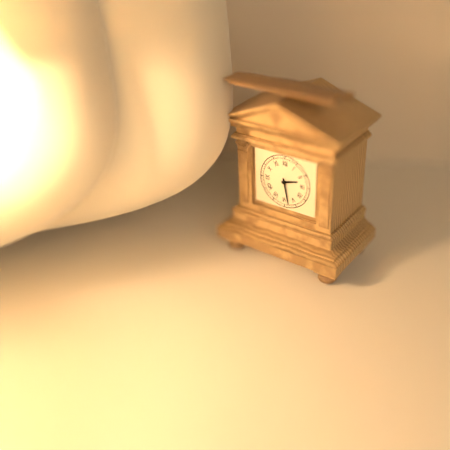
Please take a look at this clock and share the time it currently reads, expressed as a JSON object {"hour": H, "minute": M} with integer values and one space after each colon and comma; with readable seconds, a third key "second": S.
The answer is {"hour": 2, "minute": 28}
